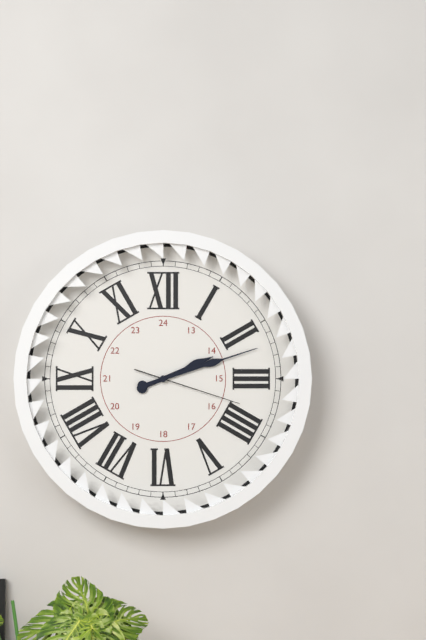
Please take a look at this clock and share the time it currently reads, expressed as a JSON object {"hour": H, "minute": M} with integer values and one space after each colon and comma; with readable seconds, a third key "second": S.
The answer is {"hour": 2, "minute": 12, "second": 18}
